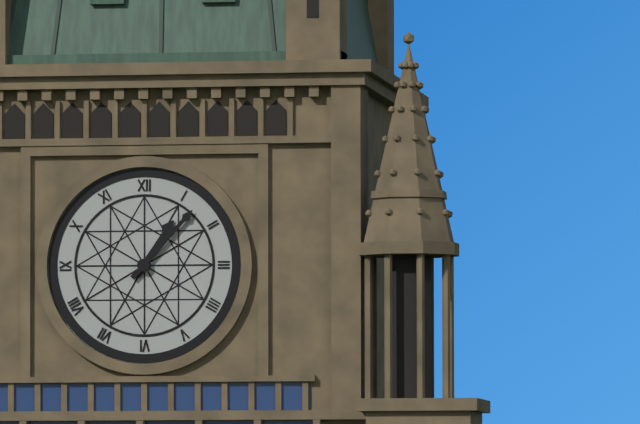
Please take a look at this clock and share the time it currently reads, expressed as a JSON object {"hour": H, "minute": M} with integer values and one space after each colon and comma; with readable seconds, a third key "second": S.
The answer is {"hour": 1, "minute": 7}
